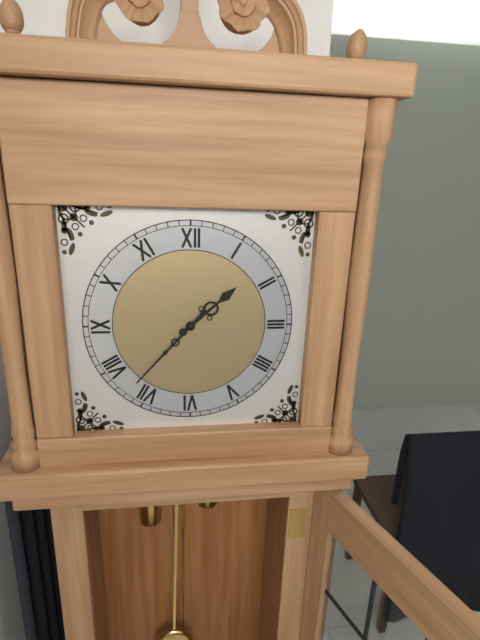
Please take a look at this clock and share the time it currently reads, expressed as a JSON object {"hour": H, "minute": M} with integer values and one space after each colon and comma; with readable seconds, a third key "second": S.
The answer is {"hour": 1, "minute": 37}
